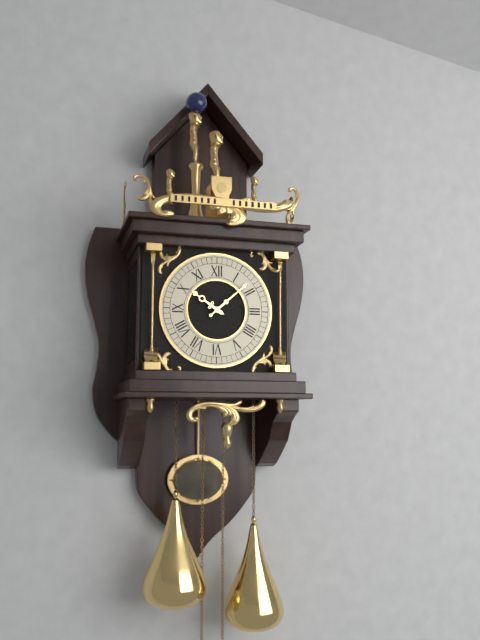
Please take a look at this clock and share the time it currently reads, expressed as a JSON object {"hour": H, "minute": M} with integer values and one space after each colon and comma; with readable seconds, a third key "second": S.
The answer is {"hour": 10, "minute": 8}
